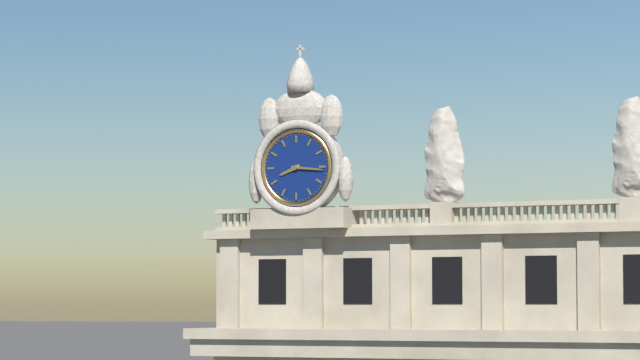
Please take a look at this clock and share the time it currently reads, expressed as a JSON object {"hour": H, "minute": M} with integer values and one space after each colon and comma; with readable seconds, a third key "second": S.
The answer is {"hour": 8, "minute": 16}
